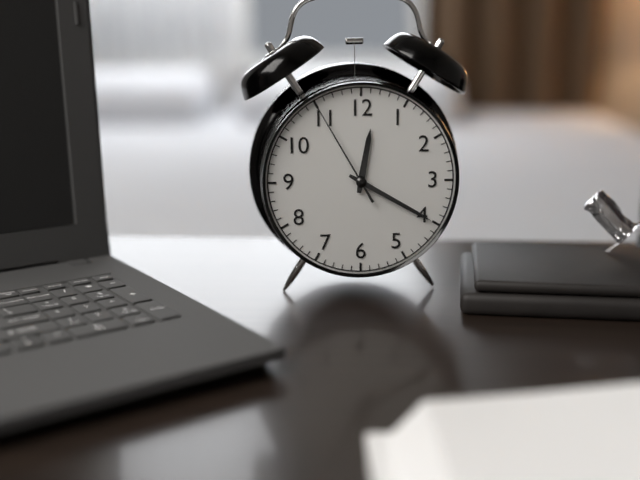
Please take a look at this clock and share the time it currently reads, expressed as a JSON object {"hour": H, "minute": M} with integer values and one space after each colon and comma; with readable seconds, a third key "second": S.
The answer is {"hour": 12, "minute": 20, "second": 55}
